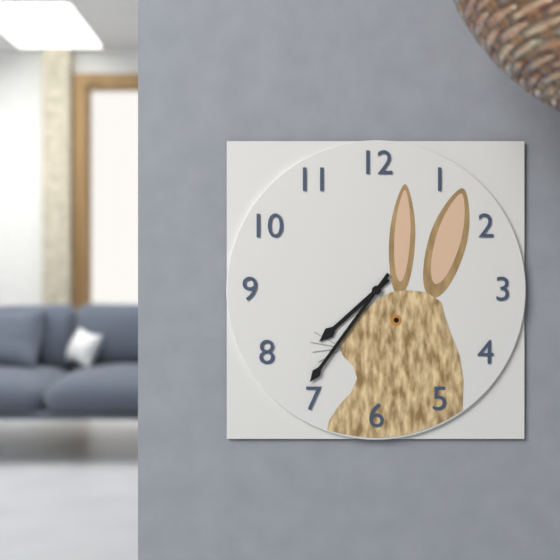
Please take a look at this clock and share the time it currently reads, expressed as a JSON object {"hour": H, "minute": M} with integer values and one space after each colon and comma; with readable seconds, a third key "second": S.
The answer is {"hour": 7, "minute": 36}
